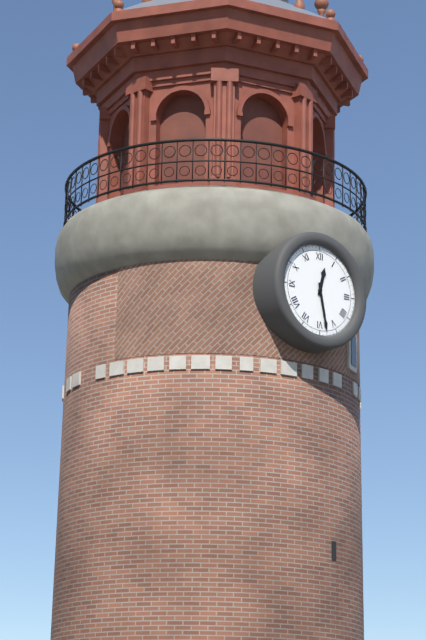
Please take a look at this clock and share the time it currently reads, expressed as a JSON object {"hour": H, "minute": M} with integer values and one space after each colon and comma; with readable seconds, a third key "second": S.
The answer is {"hour": 12, "minute": 28}
